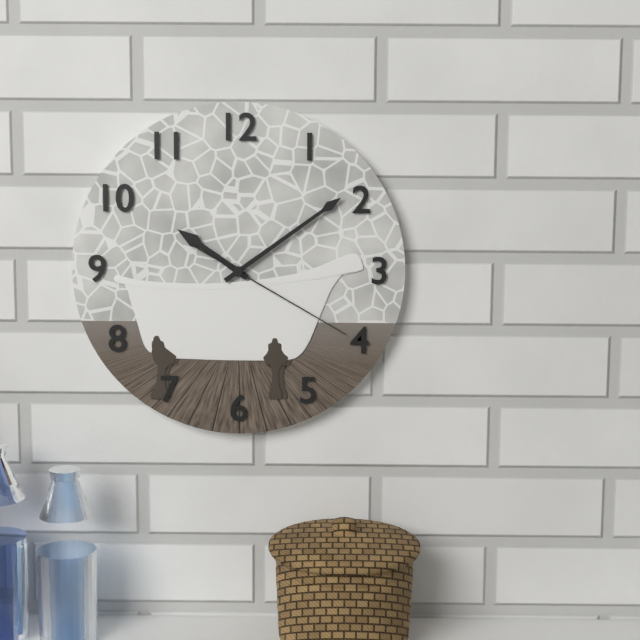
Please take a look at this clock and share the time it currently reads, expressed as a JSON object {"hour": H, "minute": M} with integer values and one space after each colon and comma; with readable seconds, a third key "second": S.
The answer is {"hour": 10, "minute": 9, "second": 20}
